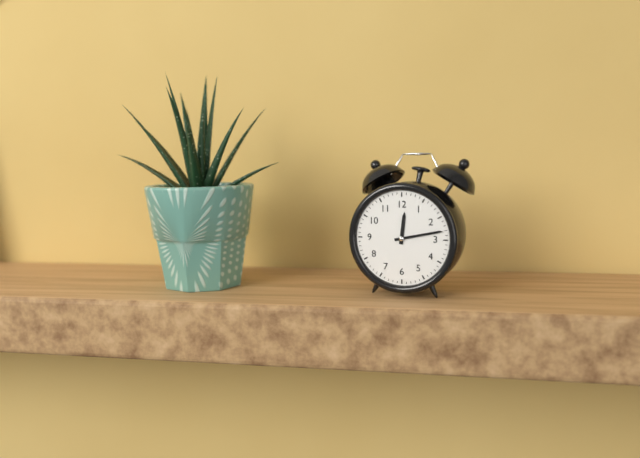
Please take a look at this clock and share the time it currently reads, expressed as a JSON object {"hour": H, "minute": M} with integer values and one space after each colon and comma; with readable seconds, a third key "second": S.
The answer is {"hour": 12, "minute": 13}
